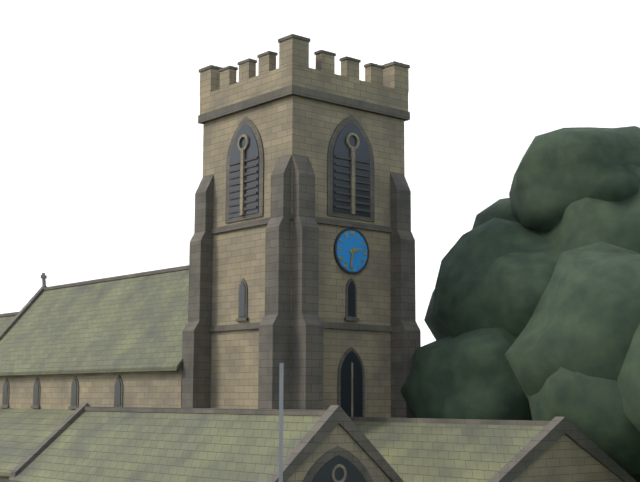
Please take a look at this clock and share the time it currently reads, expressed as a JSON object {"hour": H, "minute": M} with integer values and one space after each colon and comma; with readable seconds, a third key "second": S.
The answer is {"hour": 2, "minute": 32}
